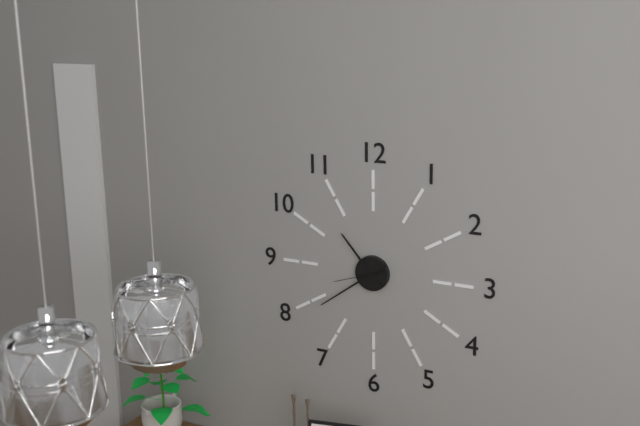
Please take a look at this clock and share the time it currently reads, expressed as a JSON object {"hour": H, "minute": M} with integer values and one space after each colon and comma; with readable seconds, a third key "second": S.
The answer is {"hour": 10, "minute": 39}
